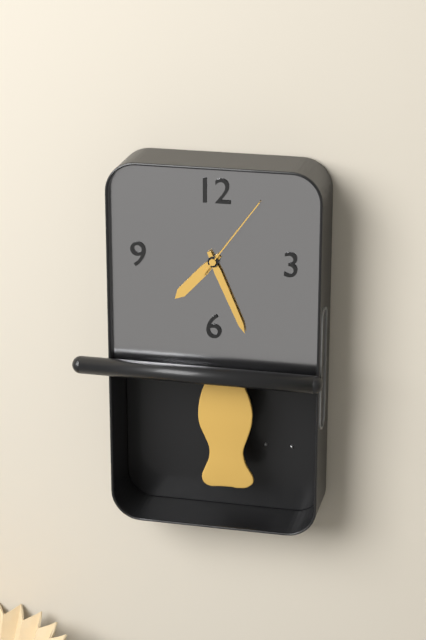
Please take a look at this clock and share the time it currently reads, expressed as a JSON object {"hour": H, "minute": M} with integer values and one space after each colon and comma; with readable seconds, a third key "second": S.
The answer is {"hour": 7, "minute": 26, "second": 6}
